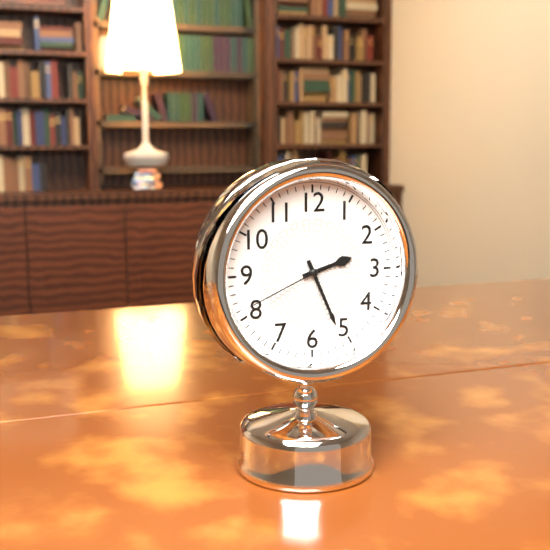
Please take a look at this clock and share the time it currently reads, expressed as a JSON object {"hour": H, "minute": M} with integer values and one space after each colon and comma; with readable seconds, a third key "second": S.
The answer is {"hour": 2, "minute": 26, "second": 41}
